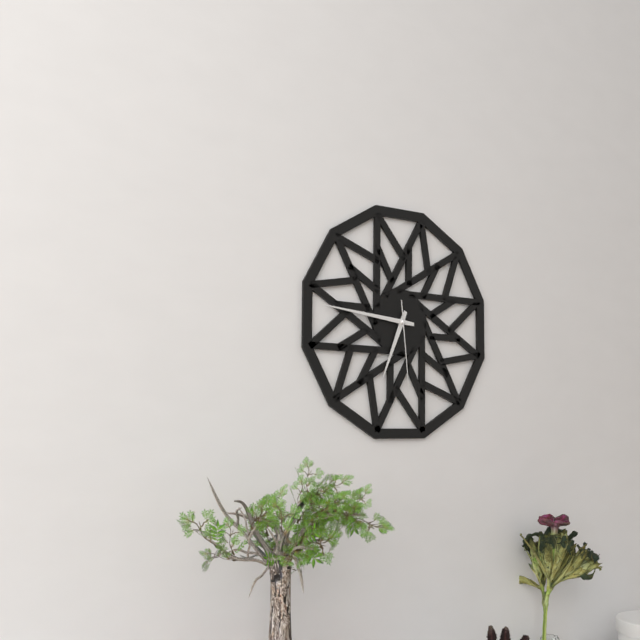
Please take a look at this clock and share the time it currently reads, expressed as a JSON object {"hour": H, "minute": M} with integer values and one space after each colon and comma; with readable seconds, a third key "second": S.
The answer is {"hour": 6, "minute": 46, "second": 29}
